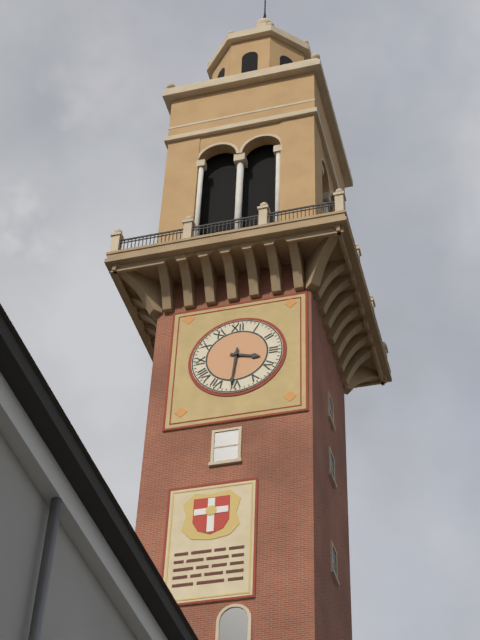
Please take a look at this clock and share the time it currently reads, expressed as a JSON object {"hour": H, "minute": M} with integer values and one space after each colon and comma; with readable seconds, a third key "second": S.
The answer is {"hour": 3, "minute": 31}
